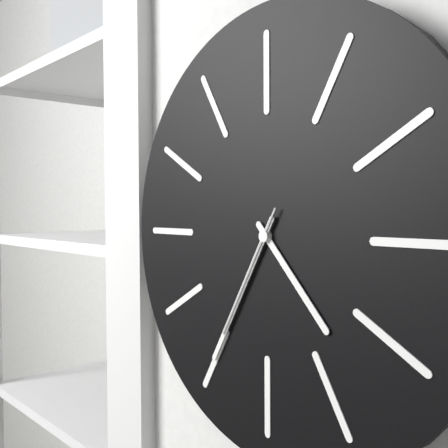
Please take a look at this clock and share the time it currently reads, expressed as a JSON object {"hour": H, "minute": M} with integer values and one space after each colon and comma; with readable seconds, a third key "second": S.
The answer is {"hour": 4, "minute": 35, "second": 35}
